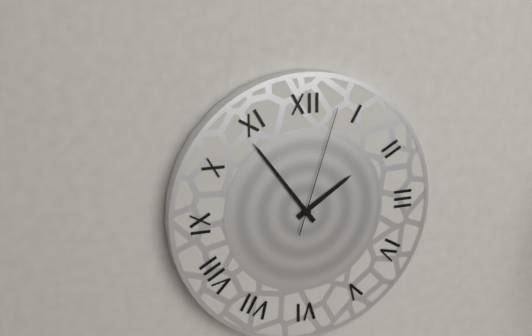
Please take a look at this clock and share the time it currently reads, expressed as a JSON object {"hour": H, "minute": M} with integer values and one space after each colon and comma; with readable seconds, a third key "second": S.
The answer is {"hour": 1, "minute": 54, "second": 3}
